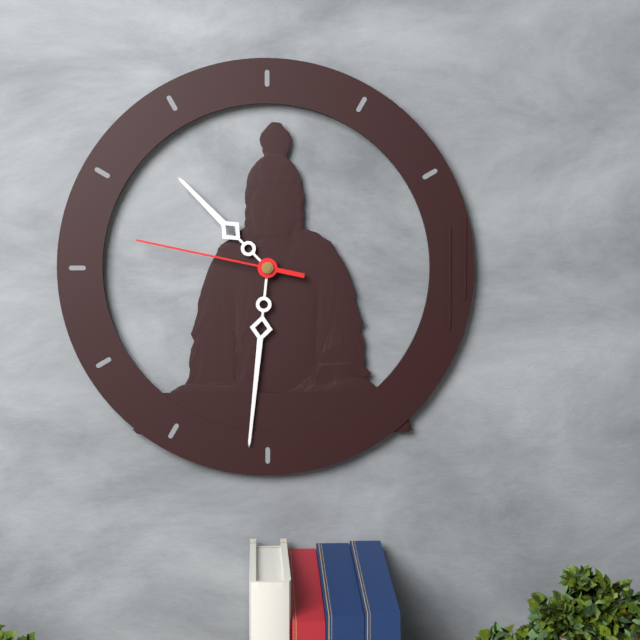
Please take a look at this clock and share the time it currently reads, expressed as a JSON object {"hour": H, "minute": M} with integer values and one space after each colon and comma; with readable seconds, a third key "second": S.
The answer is {"hour": 10, "minute": 31, "second": 47}
